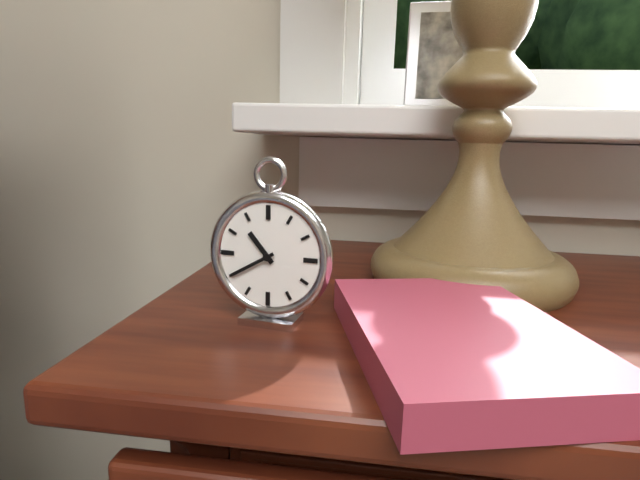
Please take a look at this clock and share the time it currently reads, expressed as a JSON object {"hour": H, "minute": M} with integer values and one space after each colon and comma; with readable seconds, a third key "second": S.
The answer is {"hour": 10, "minute": 40}
